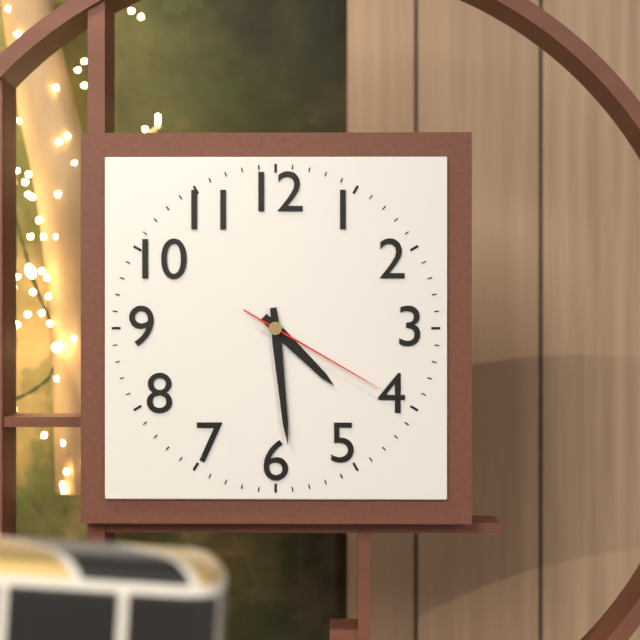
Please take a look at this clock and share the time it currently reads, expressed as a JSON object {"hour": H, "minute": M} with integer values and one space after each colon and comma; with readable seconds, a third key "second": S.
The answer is {"hour": 4, "minute": 29, "second": 20}
